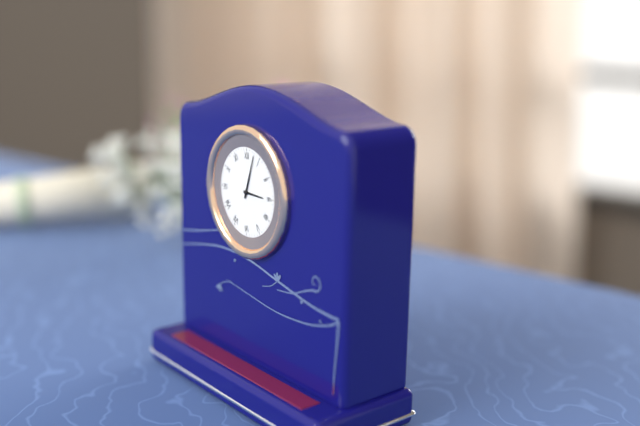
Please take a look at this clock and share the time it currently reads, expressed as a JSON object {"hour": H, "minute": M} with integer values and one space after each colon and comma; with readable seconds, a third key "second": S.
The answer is {"hour": 3, "minute": 3}
